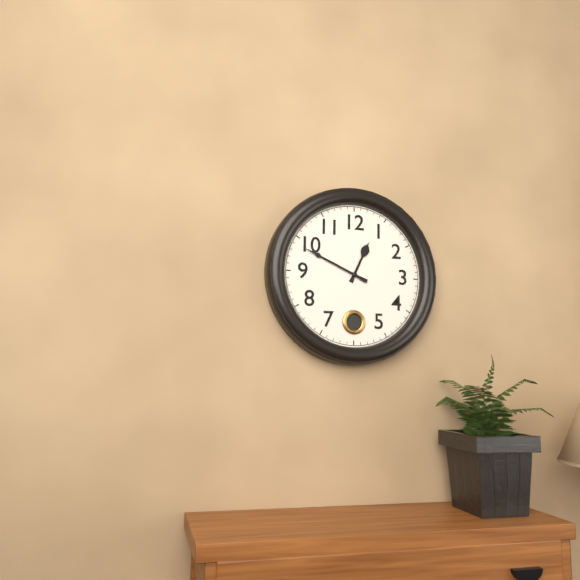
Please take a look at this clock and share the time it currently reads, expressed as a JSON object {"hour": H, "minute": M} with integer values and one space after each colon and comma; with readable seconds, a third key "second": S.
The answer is {"hour": 12, "minute": 49}
